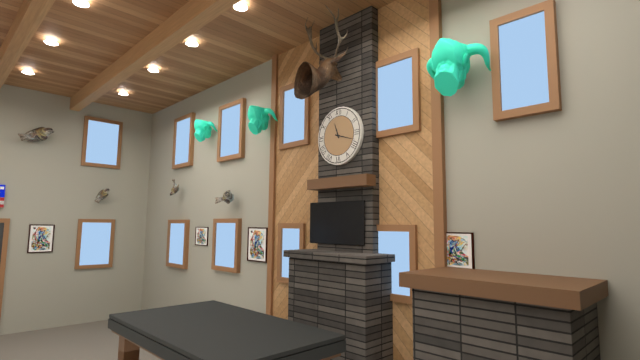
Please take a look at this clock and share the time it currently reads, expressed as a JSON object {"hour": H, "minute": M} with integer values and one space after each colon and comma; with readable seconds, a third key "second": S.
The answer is {"hour": 11, "minute": 18}
